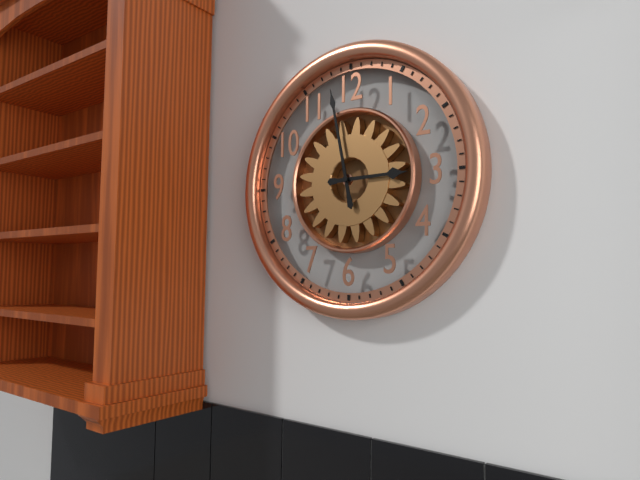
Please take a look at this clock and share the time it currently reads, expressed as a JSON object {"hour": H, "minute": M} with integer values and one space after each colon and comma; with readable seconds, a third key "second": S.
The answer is {"hour": 2, "minute": 58}
